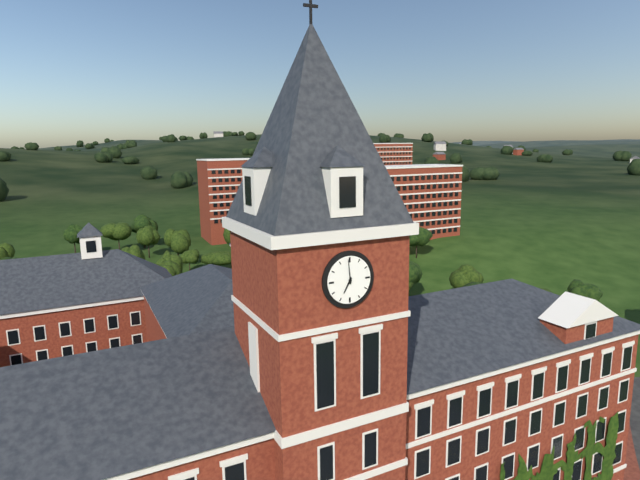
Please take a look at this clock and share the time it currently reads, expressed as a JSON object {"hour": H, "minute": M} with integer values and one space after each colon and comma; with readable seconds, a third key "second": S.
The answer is {"hour": 6, "minute": 59}
